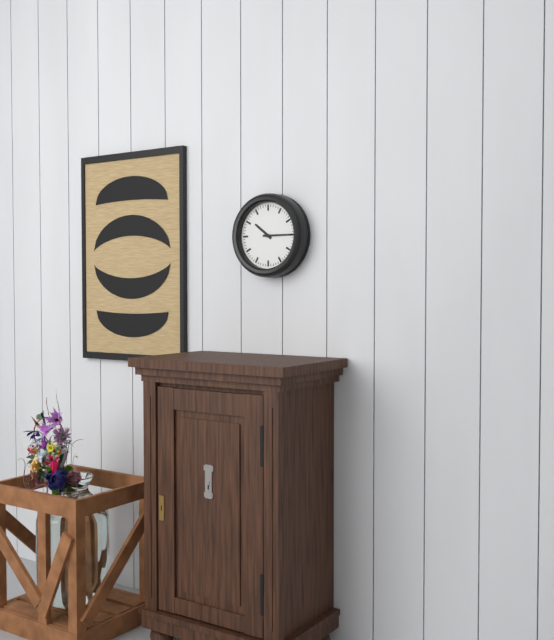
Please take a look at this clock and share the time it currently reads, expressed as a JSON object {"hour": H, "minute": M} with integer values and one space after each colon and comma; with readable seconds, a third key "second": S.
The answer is {"hour": 10, "minute": 15}
